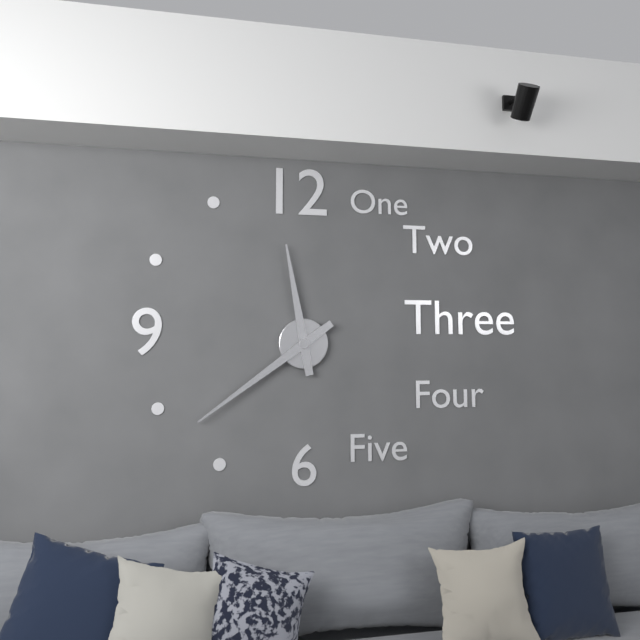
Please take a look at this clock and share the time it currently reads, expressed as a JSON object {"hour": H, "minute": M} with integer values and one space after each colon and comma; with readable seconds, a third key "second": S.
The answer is {"hour": 11, "minute": 39}
